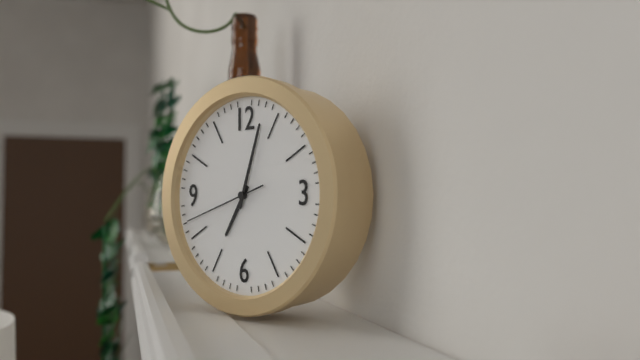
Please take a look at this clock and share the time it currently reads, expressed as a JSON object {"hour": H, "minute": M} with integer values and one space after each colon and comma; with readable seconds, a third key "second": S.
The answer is {"hour": 7, "minute": 3, "second": 42}
